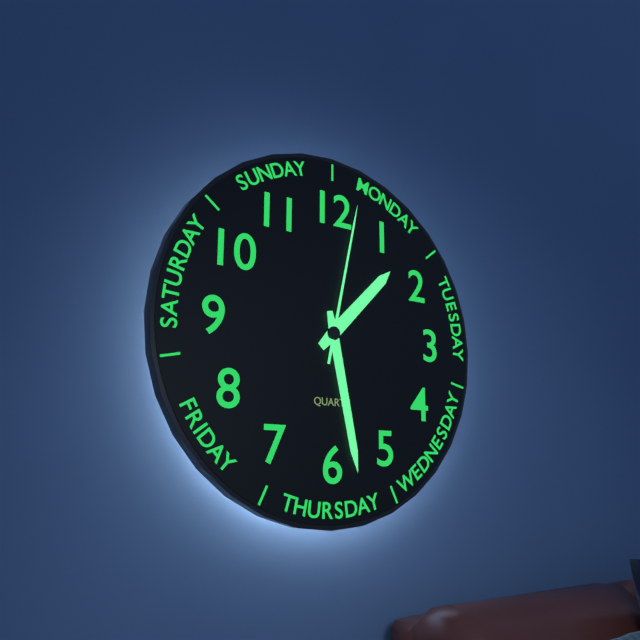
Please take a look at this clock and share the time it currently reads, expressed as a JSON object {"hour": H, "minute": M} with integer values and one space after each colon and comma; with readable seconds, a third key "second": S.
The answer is {"hour": 1, "minute": 28, "second": 2}
